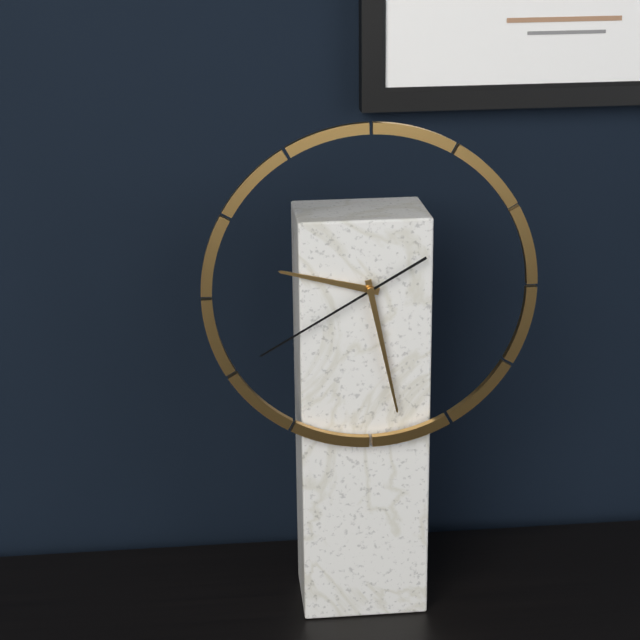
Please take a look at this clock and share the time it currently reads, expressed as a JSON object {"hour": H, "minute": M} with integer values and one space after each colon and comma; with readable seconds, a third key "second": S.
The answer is {"hour": 9, "minute": 28, "second": 40}
